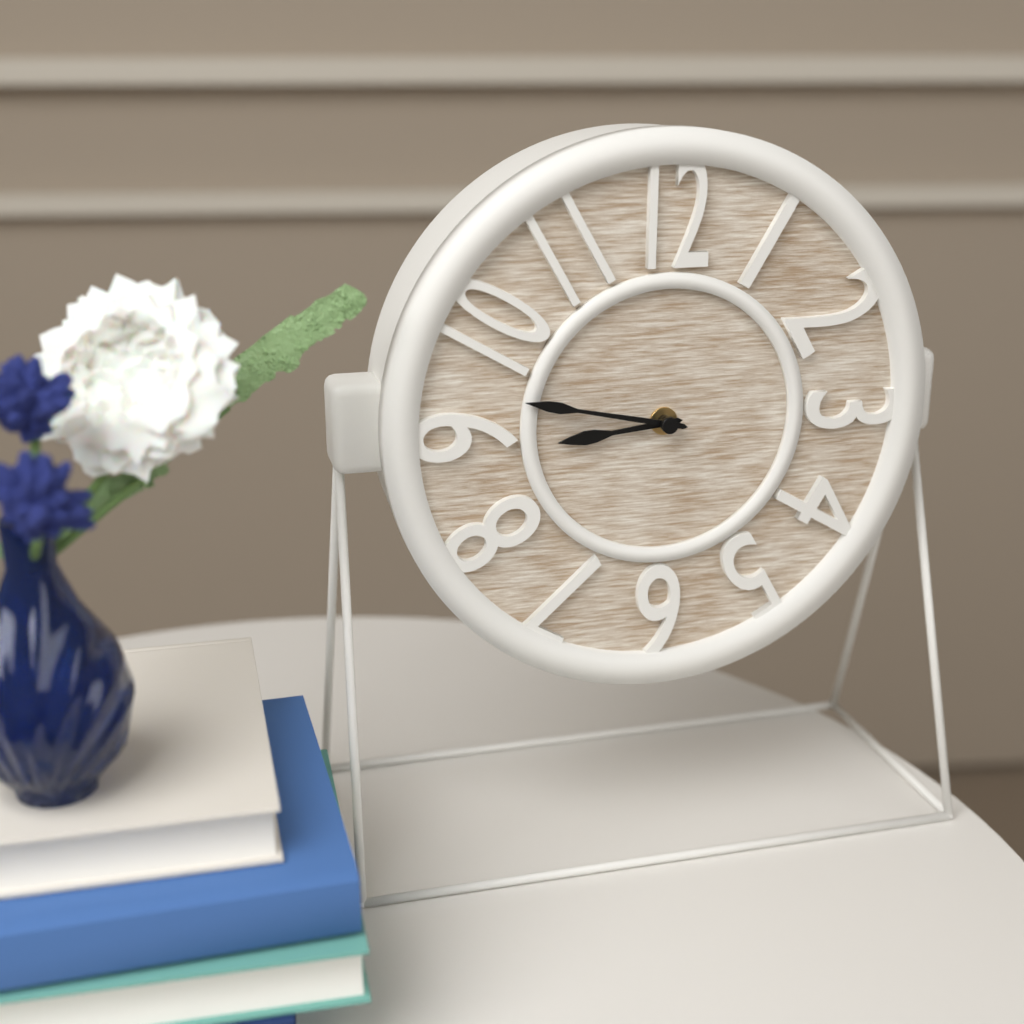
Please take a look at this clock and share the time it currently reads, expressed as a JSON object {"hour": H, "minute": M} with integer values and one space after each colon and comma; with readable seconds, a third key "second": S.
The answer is {"hour": 8, "minute": 47}
